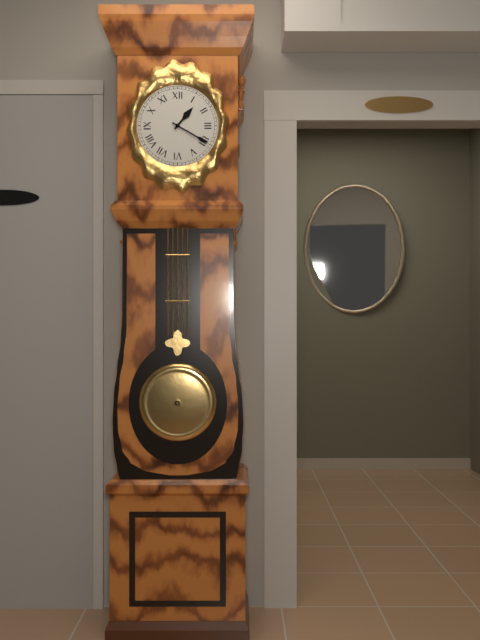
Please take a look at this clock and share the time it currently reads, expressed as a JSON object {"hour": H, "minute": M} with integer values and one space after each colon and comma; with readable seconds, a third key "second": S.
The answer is {"hour": 1, "minute": 20}
